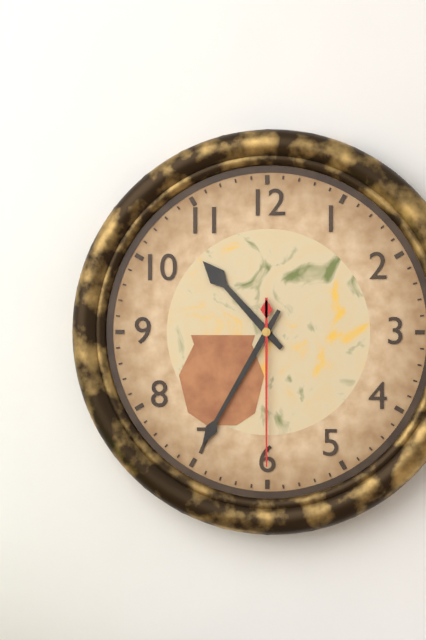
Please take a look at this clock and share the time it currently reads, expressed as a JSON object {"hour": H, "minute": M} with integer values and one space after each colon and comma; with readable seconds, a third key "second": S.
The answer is {"hour": 10, "minute": 35, "second": 30}
